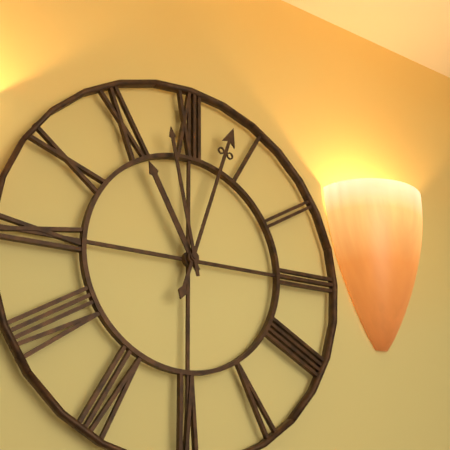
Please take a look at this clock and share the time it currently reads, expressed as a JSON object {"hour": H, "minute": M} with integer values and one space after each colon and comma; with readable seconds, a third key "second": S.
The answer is {"hour": 11, "minute": 3, "second": 58}
